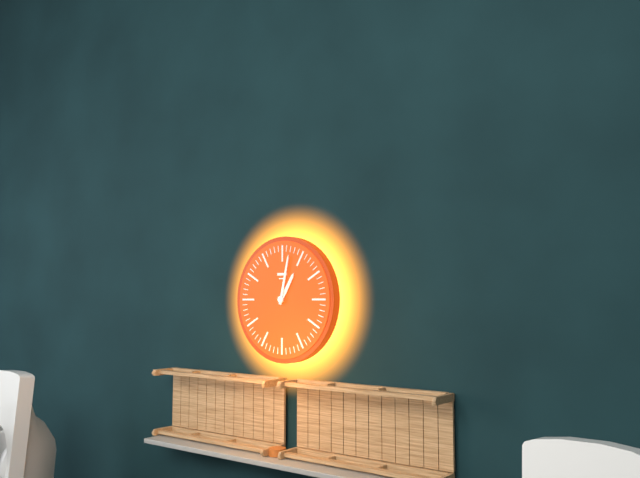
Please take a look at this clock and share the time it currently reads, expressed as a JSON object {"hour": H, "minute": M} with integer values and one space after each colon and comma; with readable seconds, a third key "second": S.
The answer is {"hour": 1, "minute": 2}
